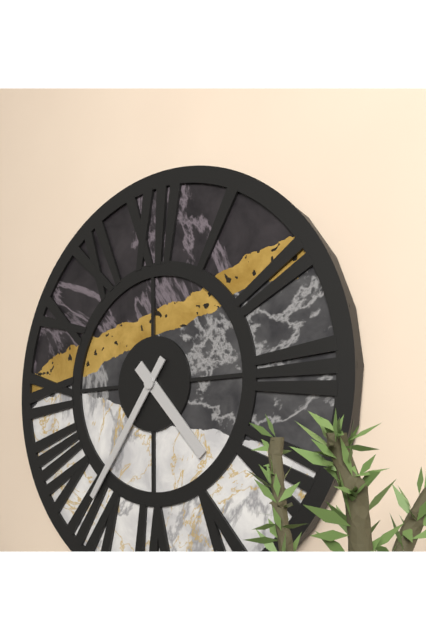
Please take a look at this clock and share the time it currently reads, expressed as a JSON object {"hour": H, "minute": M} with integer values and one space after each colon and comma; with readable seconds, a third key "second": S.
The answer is {"hour": 4, "minute": 36}
